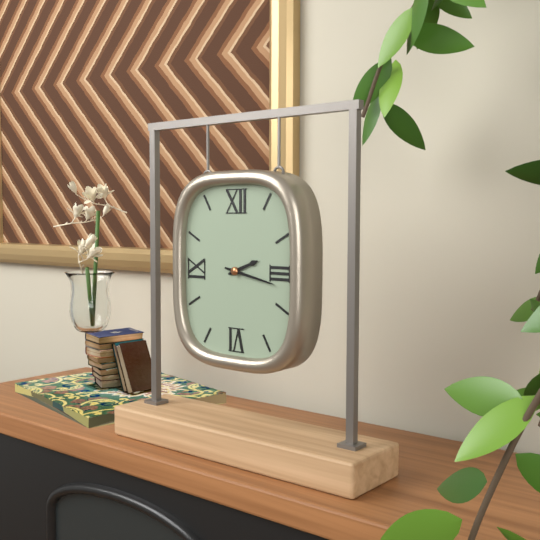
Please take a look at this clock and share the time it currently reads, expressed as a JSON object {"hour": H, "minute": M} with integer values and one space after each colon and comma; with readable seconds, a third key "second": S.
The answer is {"hour": 2, "minute": 17}
